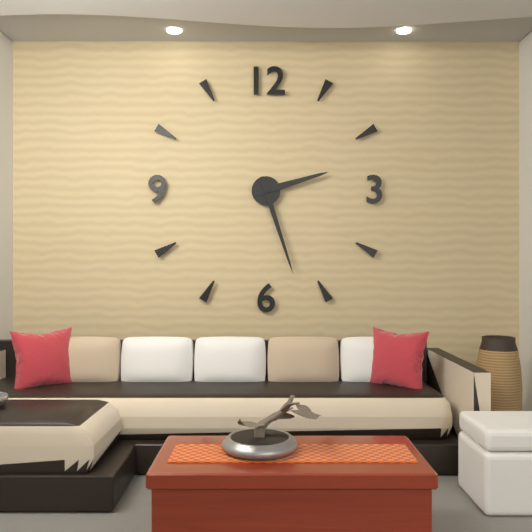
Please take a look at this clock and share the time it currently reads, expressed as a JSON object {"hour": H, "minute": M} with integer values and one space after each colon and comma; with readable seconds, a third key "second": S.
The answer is {"hour": 2, "minute": 27}
